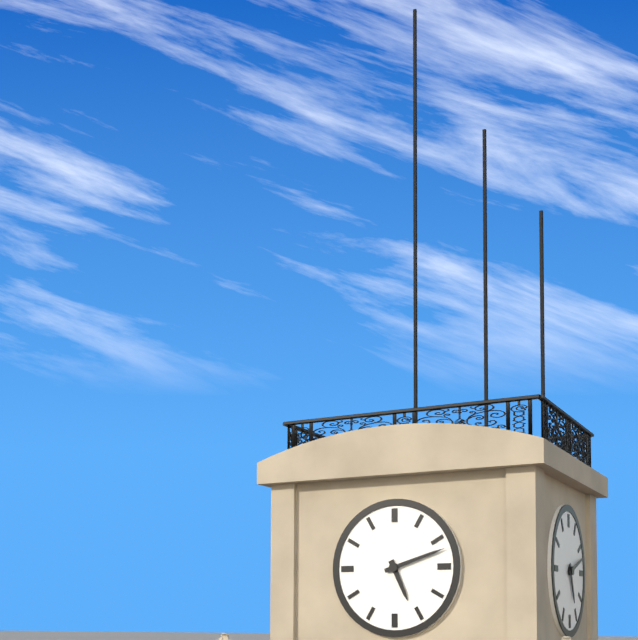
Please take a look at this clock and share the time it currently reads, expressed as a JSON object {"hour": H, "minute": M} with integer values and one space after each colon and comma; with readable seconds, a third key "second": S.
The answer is {"hour": 5, "minute": 12}
